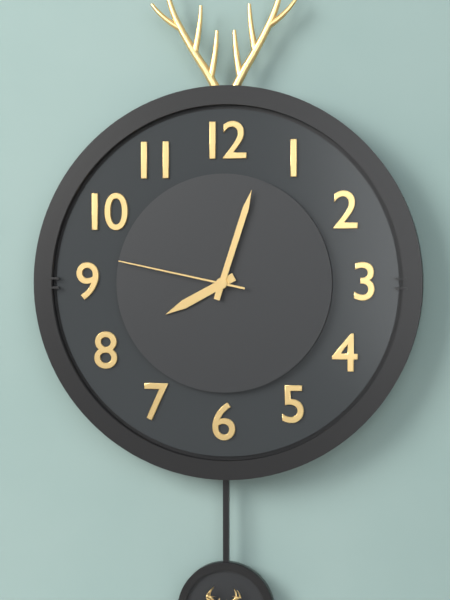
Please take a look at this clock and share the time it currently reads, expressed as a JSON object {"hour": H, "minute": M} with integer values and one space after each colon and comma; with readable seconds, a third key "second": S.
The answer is {"hour": 8, "minute": 3, "second": 47}
